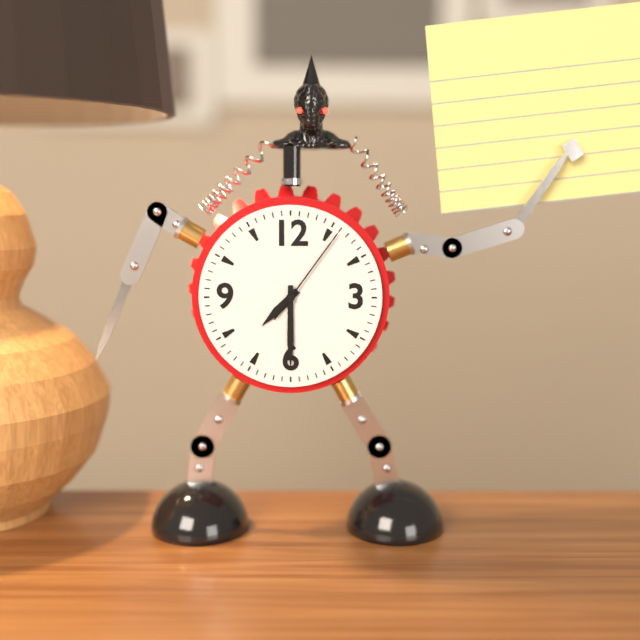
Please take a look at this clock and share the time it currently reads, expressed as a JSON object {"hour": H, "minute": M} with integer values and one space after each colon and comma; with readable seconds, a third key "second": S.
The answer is {"hour": 7, "minute": 30, "second": 6}
